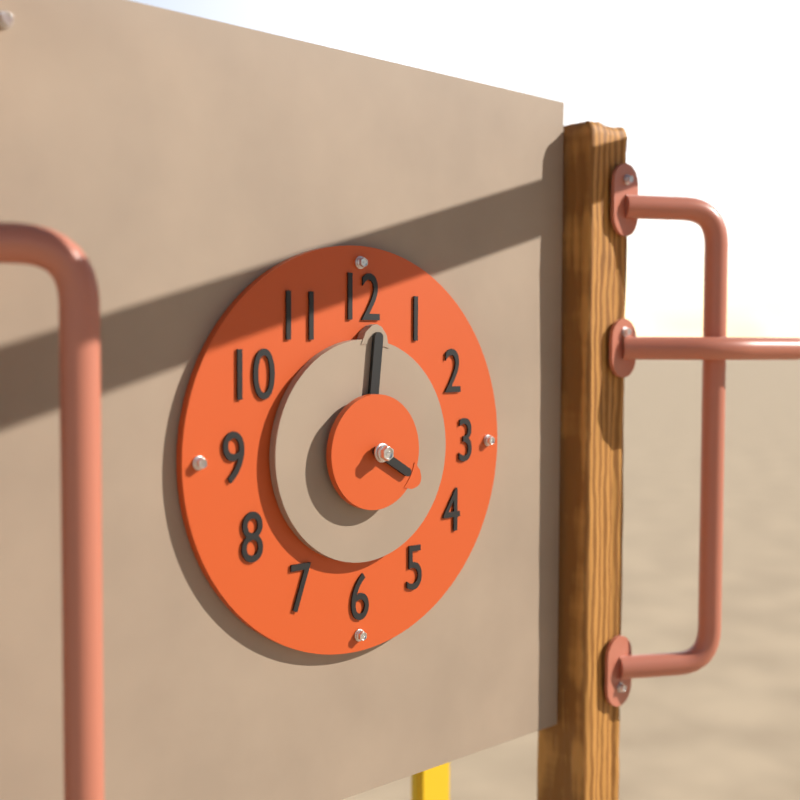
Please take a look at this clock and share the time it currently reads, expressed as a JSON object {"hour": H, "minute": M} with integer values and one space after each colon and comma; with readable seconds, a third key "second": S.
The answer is {"hour": 4, "minute": 1}
